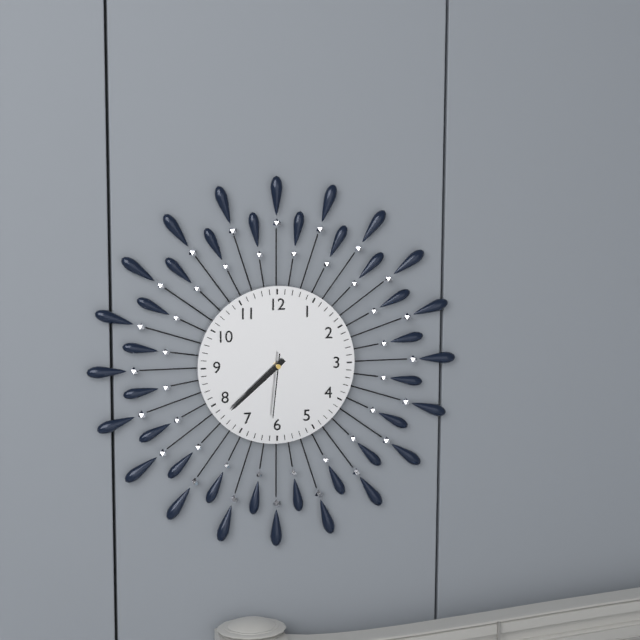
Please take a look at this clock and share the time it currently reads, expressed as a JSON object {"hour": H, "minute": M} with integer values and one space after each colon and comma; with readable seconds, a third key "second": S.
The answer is {"hour": 7, "minute": 38, "second": 31}
